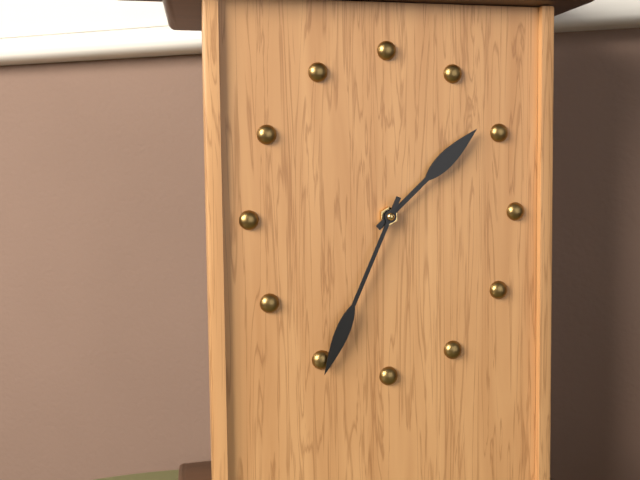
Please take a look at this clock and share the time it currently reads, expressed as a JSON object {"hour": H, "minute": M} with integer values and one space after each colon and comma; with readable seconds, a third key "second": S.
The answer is {"hour": 1, "minute": 34}
